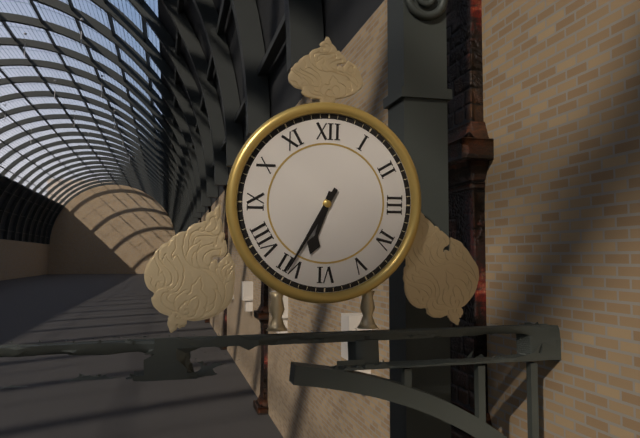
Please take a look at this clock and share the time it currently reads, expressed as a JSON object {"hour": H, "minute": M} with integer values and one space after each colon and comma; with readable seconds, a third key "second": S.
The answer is {"hour": 6, "minute": 35}
